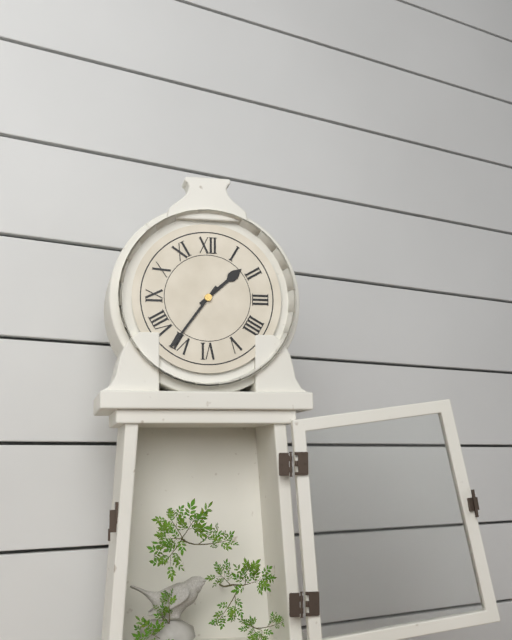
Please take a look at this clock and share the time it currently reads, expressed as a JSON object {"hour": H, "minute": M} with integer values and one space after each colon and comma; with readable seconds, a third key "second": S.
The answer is {"hour": 1, "minute": 36}
